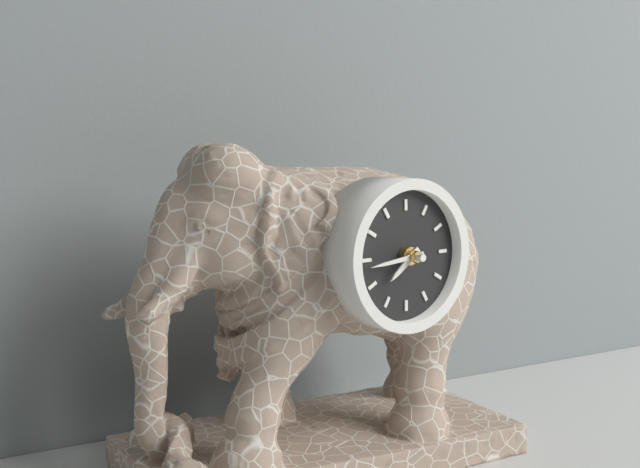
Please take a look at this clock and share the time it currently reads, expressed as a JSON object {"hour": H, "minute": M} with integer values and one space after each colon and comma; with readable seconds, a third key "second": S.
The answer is {"hour": 7, "minute": 44}
